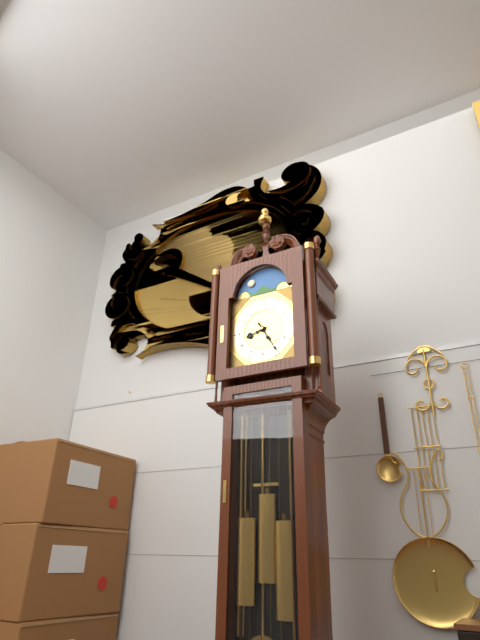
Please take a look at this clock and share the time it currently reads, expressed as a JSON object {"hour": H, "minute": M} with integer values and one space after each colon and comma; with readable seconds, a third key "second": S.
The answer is {"hour": 8, "minute": 25}
